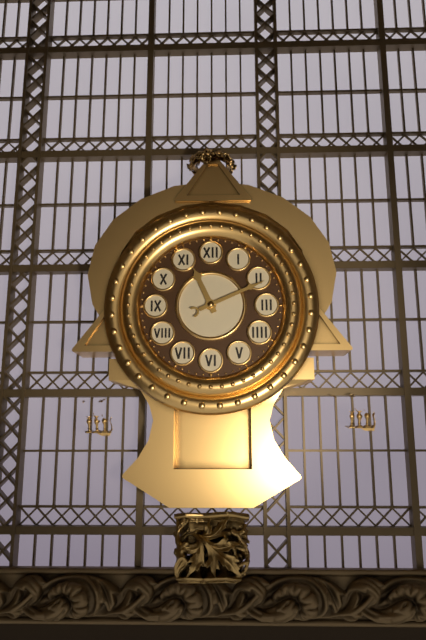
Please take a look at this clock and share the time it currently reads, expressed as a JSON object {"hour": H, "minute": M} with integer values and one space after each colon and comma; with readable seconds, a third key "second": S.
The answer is {"hour": 11, "minute": 11}
